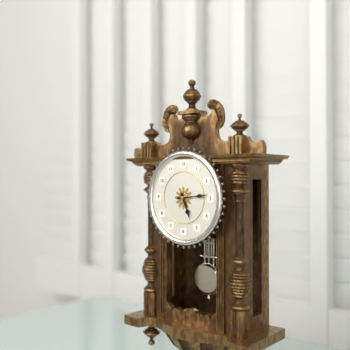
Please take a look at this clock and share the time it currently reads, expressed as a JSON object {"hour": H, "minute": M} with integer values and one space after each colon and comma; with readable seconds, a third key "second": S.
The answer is {"hour": 5, "minute": 14}
